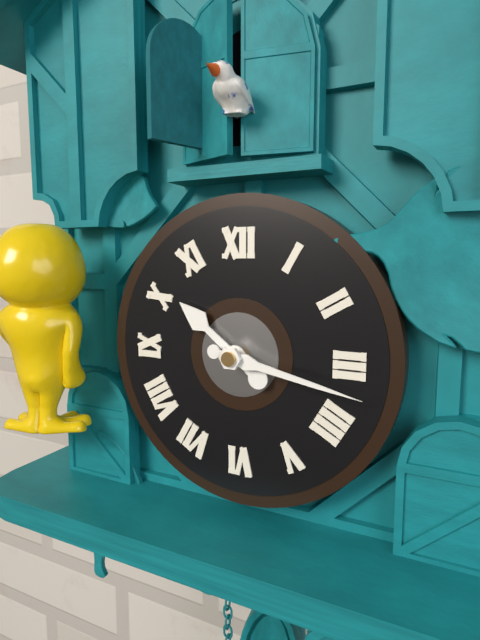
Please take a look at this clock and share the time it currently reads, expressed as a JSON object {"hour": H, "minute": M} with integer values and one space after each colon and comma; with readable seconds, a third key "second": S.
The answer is {"hour": 10, "minute": 17}
